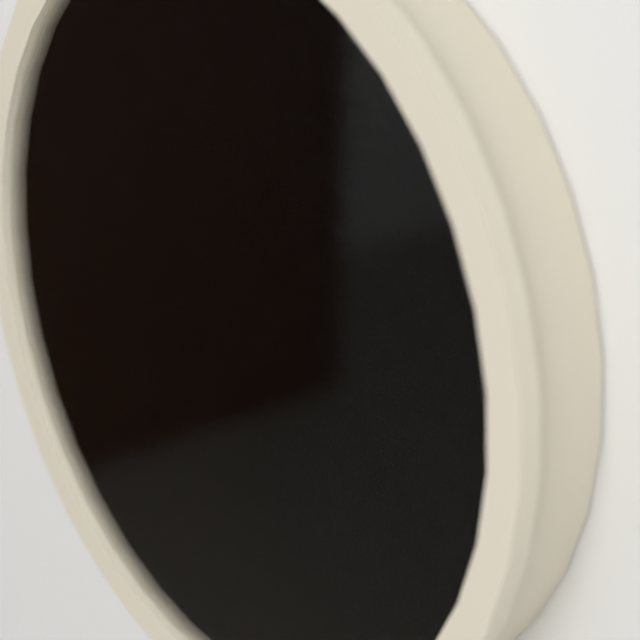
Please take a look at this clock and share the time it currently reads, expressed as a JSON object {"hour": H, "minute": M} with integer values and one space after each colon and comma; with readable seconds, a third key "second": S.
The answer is {"hour": 10, "minute": 28, "second": 19}
